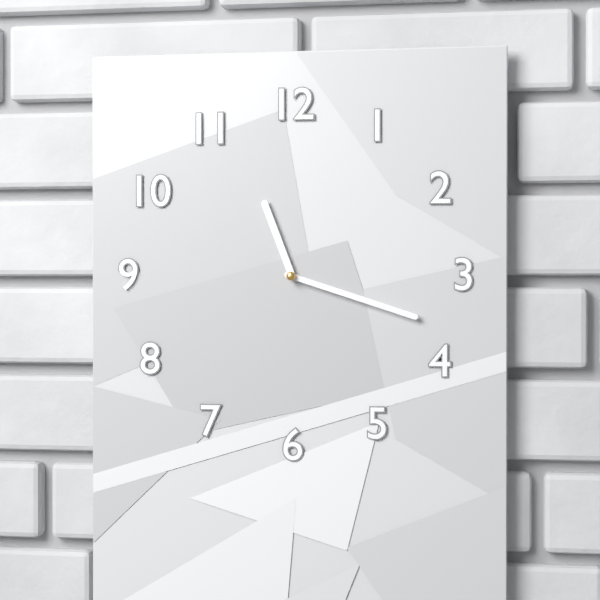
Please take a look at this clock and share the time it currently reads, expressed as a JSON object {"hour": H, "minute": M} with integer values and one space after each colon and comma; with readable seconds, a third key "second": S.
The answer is {"hour": 11, "minute": 18}
